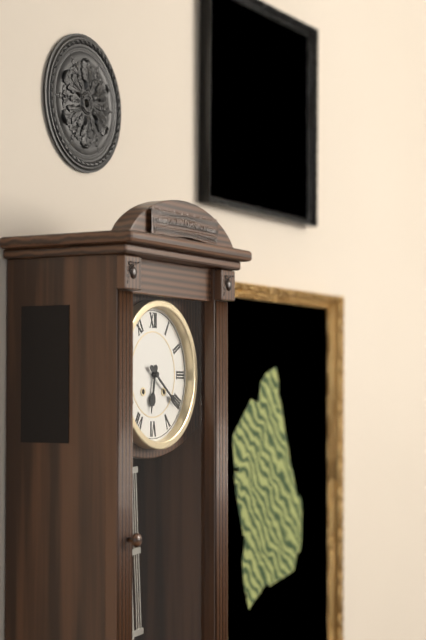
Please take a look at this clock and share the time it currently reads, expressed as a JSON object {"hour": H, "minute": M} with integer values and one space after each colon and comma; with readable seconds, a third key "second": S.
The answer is {"hour": 6, "minute": 21}
